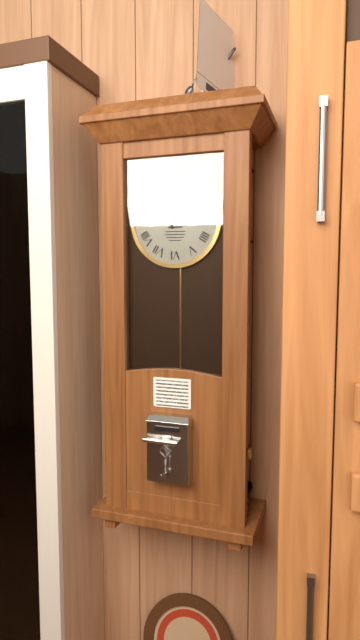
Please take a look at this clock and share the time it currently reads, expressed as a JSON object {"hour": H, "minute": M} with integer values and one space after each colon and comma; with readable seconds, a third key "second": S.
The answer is {"hour": 1, "minute": 3}
